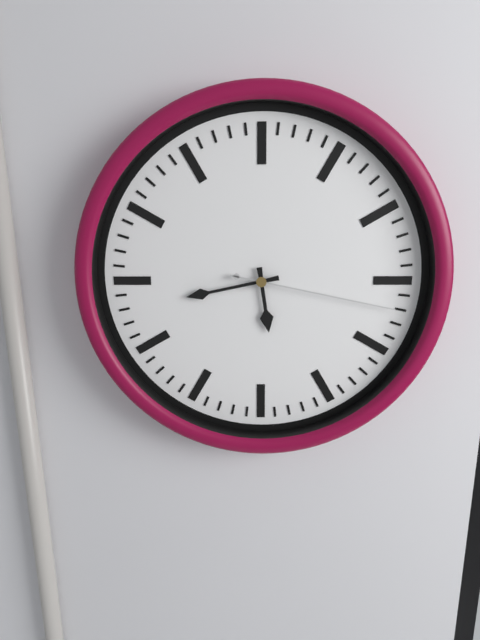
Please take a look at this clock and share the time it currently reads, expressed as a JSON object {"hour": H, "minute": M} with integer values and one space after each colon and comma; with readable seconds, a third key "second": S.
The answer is {"hour": 5, "minute": 43, "second": 17}
